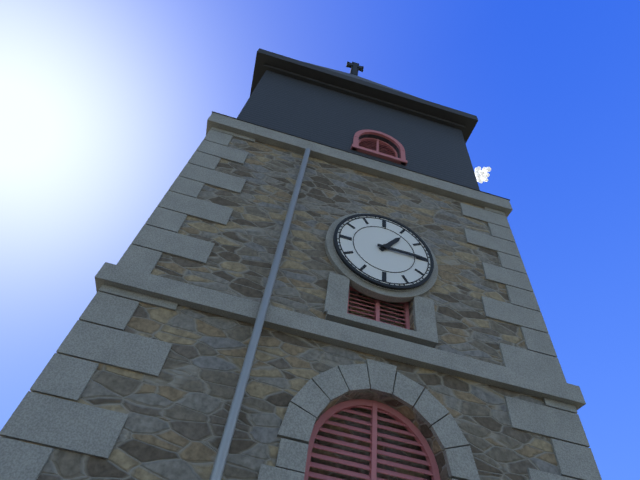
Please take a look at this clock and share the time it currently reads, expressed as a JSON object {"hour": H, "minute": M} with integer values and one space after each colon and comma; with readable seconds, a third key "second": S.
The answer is {"hour": 1, "minute": 15}
